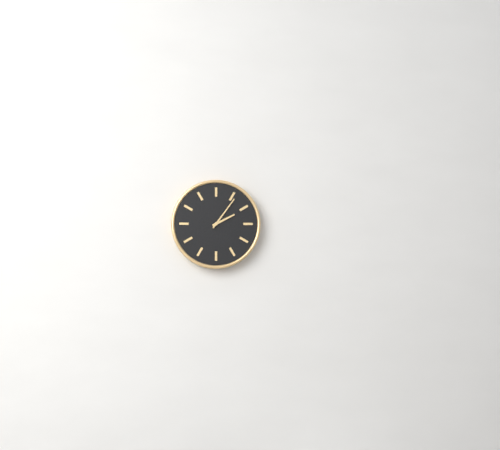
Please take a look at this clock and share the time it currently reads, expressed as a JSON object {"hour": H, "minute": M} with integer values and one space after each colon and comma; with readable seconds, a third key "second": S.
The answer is {"hour": 2, "minute": 6}
